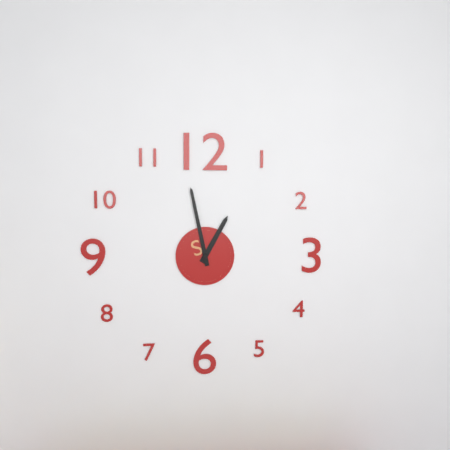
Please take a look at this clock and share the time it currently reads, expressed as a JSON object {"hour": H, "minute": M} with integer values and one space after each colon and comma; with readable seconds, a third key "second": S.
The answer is {"hour": 12, "minute": 58}
